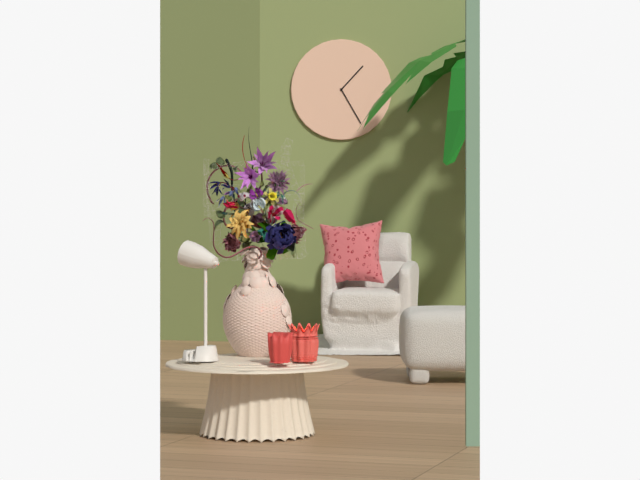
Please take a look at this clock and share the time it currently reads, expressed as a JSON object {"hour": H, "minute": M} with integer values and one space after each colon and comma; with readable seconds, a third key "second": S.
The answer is {"hour": 1, "minute": 25}
